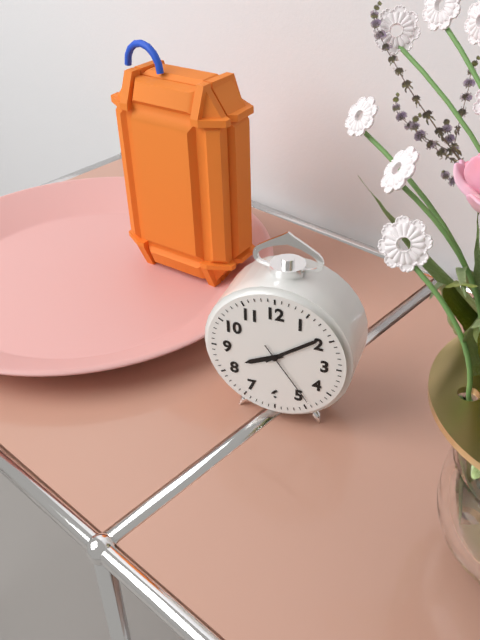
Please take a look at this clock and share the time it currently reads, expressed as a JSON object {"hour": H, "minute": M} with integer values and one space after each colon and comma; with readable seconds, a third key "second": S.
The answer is {"hour": 8, "minute": 9, "second": 24}
